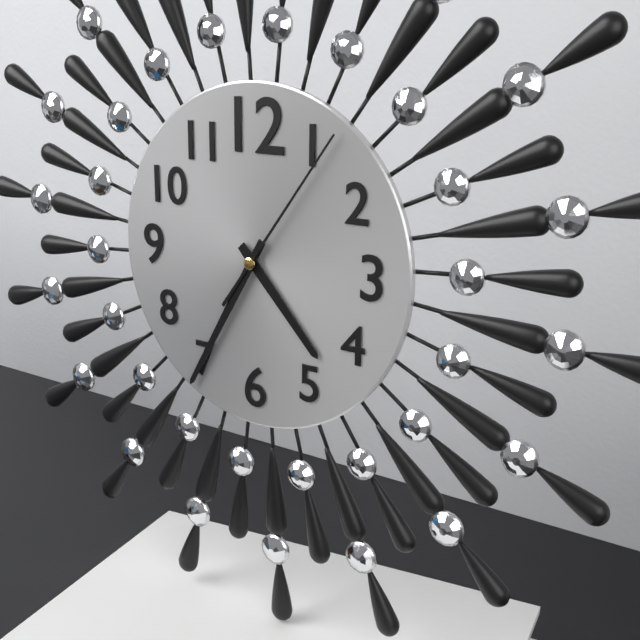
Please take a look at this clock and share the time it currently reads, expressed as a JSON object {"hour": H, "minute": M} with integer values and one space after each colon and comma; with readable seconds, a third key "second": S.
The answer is {"hour": 4, "minute": 35, "second": 6}
